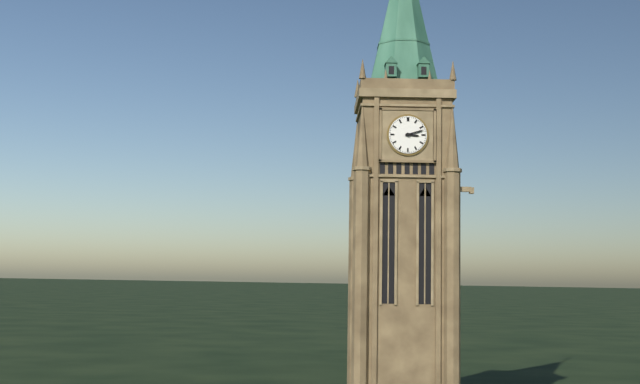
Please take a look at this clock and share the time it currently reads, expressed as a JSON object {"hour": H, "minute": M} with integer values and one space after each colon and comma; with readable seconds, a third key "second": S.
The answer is {"hour": 3, "minute": 12}
